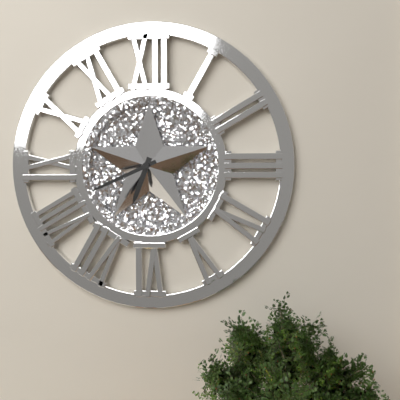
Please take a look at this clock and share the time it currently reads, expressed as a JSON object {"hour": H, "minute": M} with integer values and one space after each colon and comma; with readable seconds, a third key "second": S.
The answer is {"hour": 6, "minute": 41}
